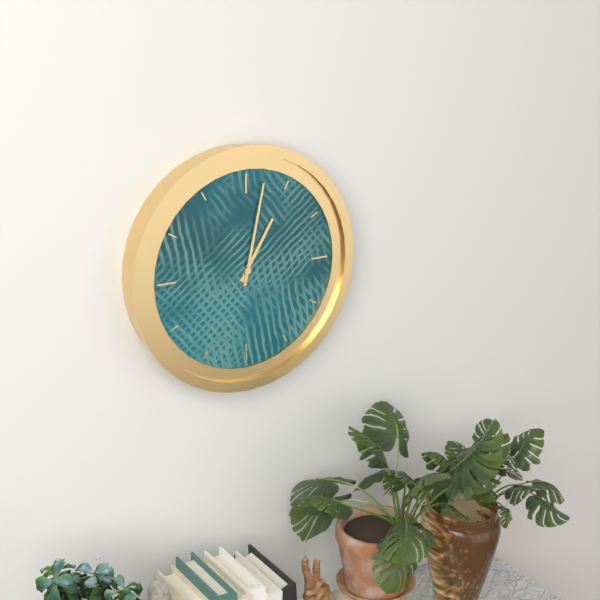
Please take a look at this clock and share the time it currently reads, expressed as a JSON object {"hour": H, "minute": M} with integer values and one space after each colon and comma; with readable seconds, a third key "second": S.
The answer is {"hour": 1, "minute": 2}
